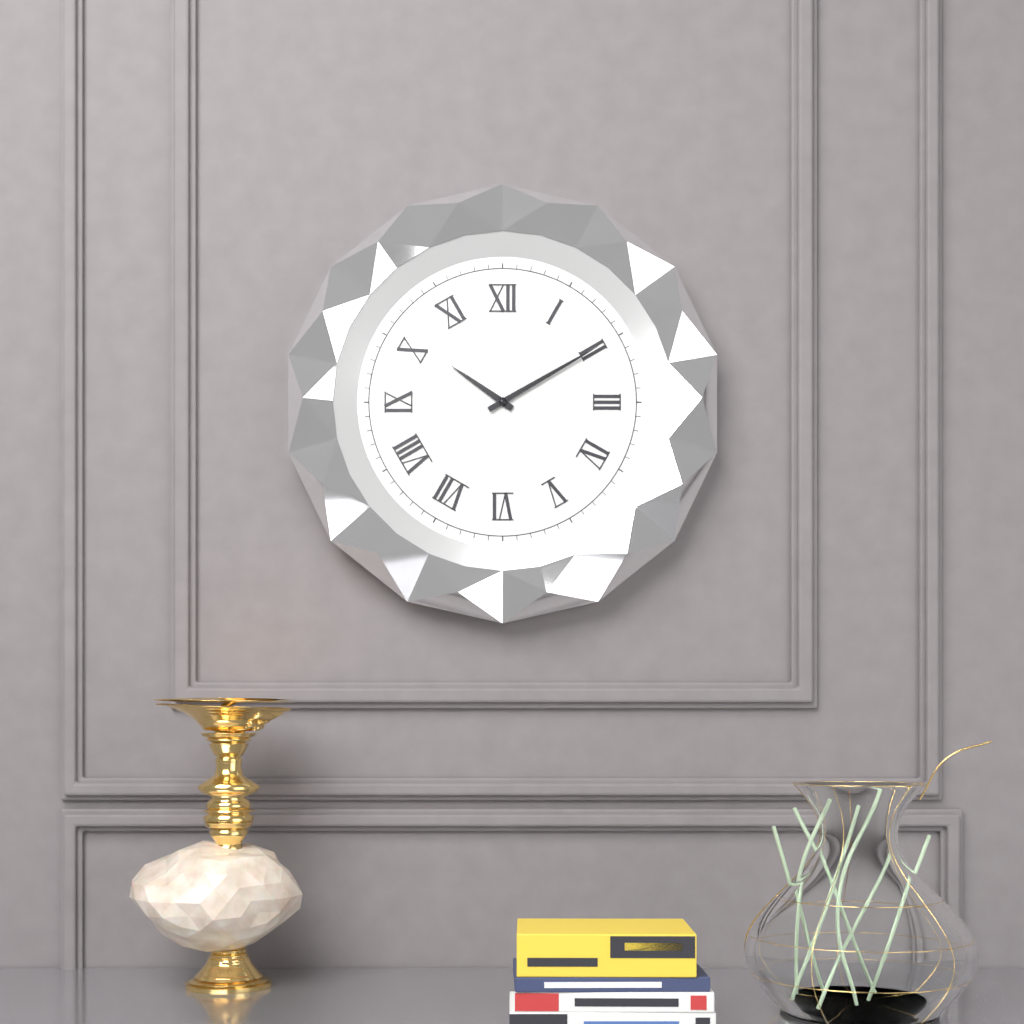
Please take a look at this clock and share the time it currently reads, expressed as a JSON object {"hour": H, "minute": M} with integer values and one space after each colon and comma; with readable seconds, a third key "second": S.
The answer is {"hour": 10, "minute": 10}
